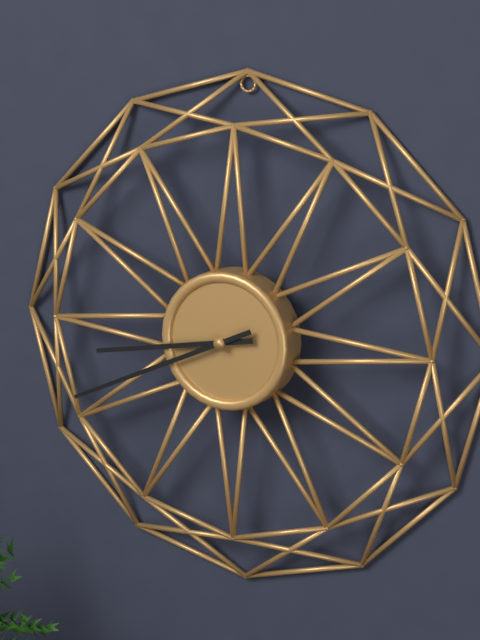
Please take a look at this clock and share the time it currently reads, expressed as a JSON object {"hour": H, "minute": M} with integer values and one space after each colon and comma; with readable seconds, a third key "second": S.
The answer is {"hour": 8, "minute": 41}
